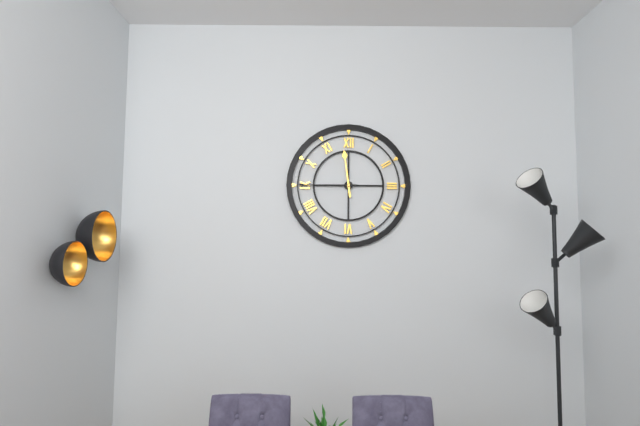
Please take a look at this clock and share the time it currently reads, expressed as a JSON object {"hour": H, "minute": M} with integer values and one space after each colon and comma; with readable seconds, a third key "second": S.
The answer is {"hour": 11, "minute": 45}
